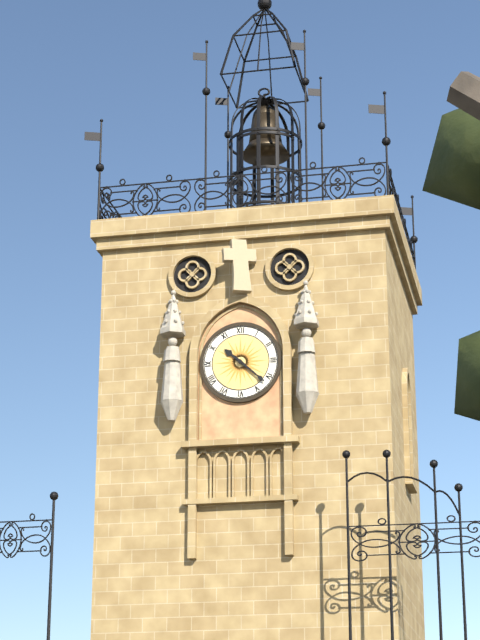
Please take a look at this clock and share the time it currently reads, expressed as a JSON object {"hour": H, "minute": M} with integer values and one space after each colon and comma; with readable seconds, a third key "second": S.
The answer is {"hour": 10, "minute": 22}
